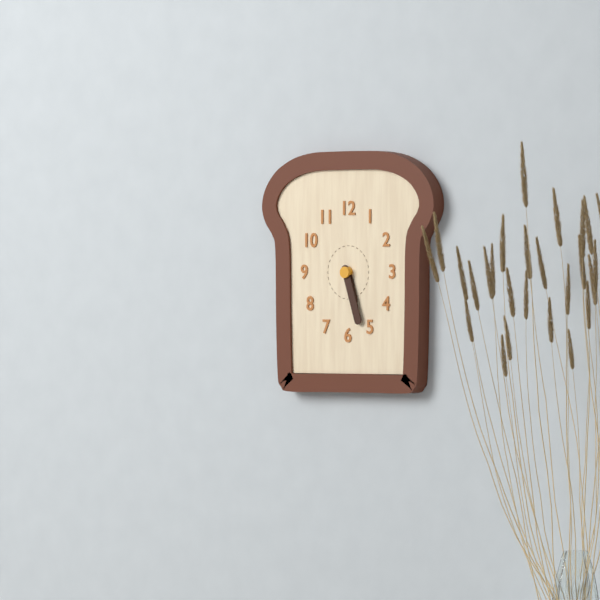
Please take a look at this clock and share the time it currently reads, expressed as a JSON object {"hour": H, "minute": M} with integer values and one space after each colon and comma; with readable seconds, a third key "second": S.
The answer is {"hour": 5, "minute": 27}
